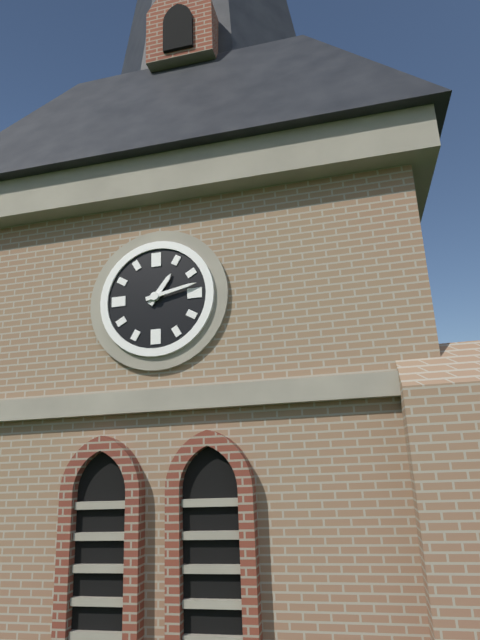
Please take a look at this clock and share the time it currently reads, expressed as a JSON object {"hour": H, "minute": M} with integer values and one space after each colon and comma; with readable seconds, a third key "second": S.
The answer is {"hour": 1, "minute": 13}
